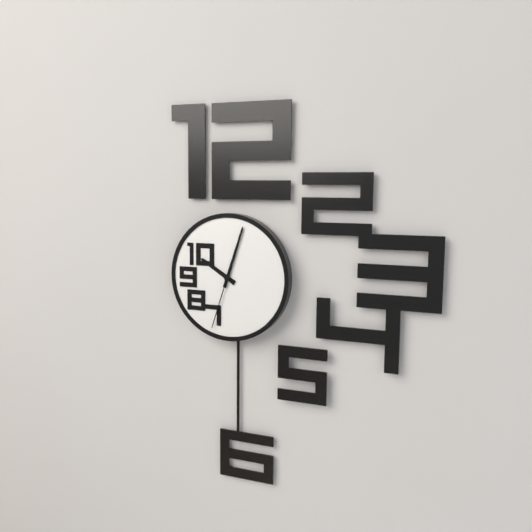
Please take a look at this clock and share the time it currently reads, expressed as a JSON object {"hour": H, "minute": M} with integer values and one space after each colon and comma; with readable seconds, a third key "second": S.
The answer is {"hour": 10, "minute": 3, "second": 33}
